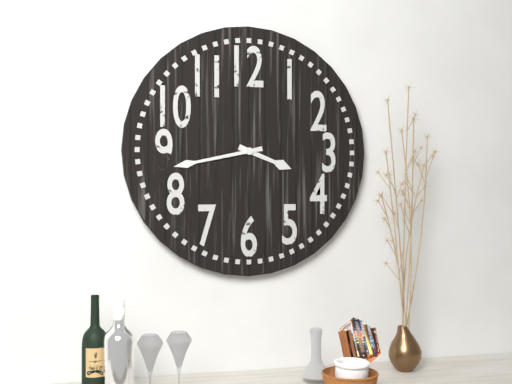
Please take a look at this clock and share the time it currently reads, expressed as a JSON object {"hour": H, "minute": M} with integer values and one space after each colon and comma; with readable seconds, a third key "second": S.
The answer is {"hour": 3, "minute": 43}
